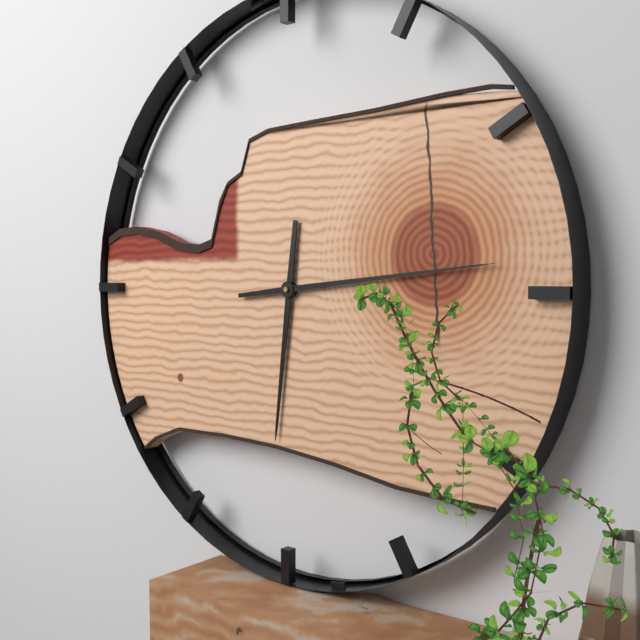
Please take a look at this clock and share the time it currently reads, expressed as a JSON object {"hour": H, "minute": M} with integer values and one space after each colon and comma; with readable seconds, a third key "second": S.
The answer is {"hour": 6, "minute": 14}
